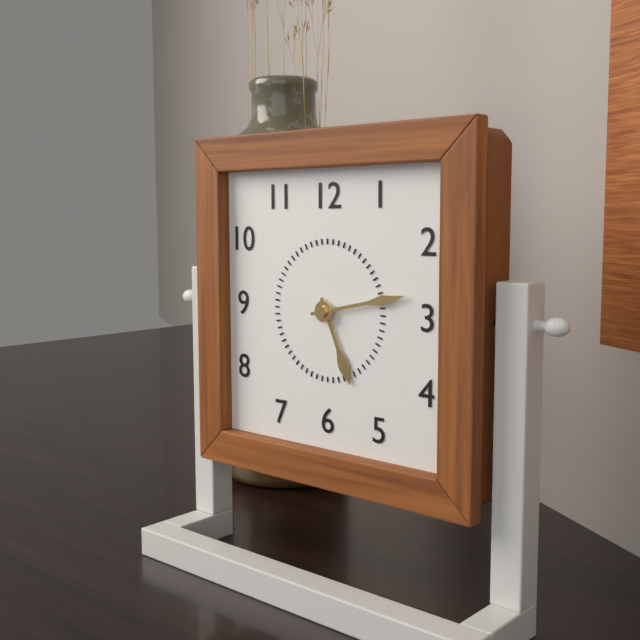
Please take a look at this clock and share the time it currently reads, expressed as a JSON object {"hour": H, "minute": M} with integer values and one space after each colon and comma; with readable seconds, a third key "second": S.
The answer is {"hour": 5, "minute": 13}
